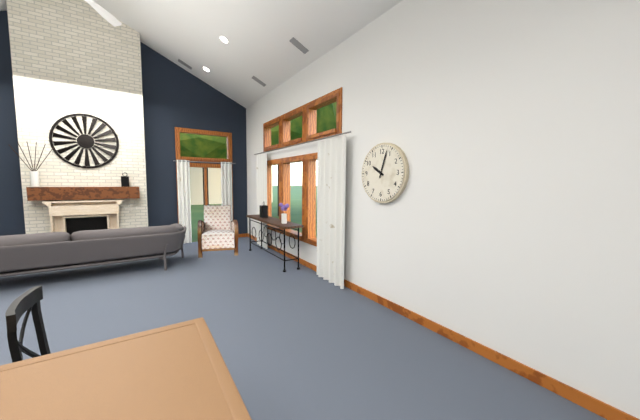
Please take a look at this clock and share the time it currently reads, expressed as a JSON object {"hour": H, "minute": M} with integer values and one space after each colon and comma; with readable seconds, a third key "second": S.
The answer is {"hour": 10, "minute": 3}
